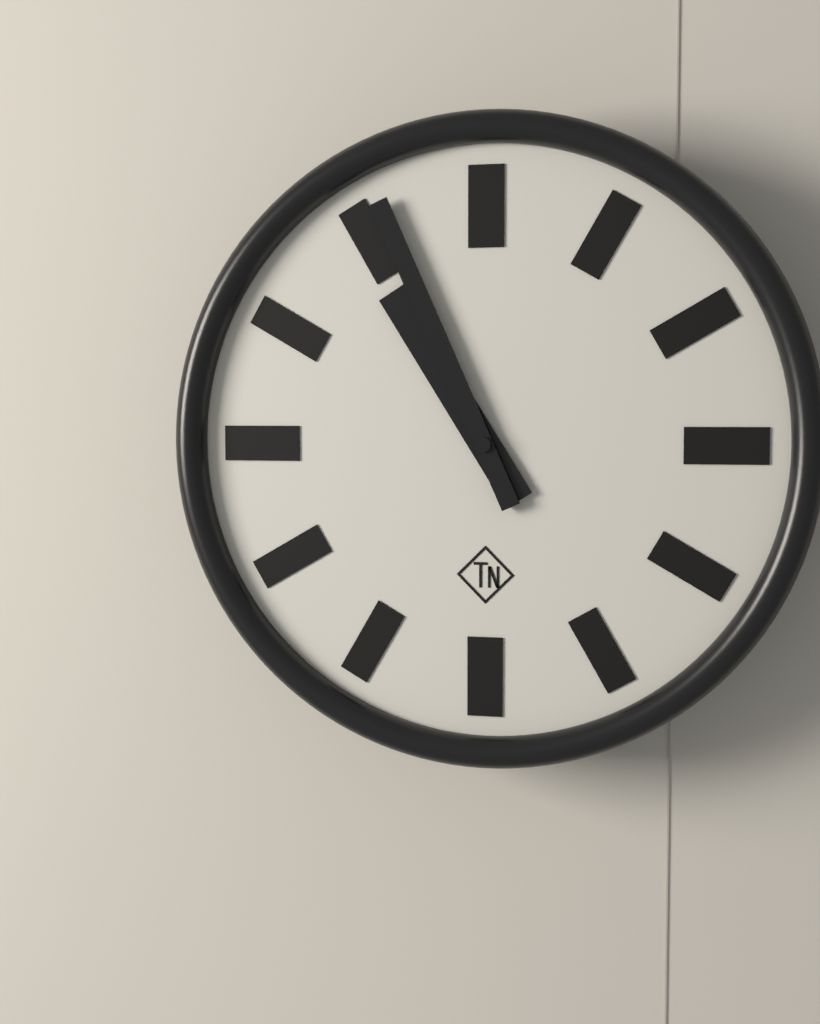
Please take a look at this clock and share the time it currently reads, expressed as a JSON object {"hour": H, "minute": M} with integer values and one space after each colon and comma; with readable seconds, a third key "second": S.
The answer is {"hour": 10, "minute": 56}
